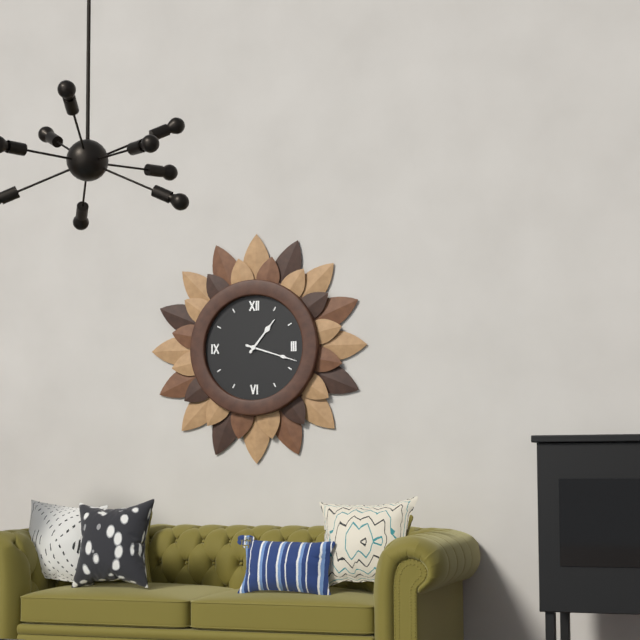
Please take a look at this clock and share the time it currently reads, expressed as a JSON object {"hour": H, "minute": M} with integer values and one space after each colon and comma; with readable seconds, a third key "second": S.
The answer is {"hour": 1, "minute": 18}
